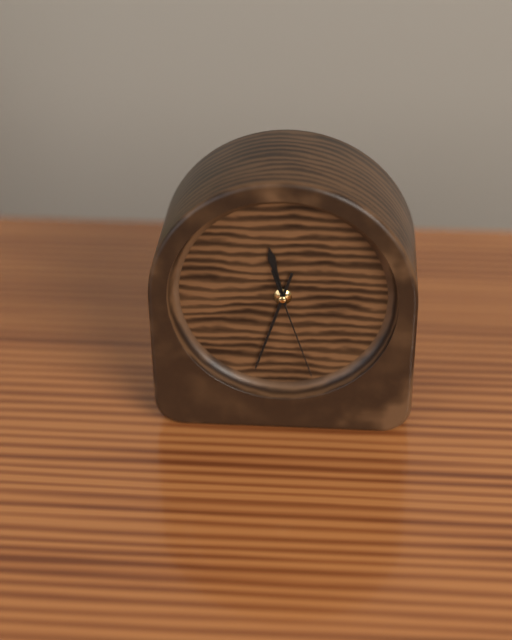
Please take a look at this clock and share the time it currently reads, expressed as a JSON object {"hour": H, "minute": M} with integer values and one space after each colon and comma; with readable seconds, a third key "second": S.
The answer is {"hour": 11, "minute": 33, "second": 27}
